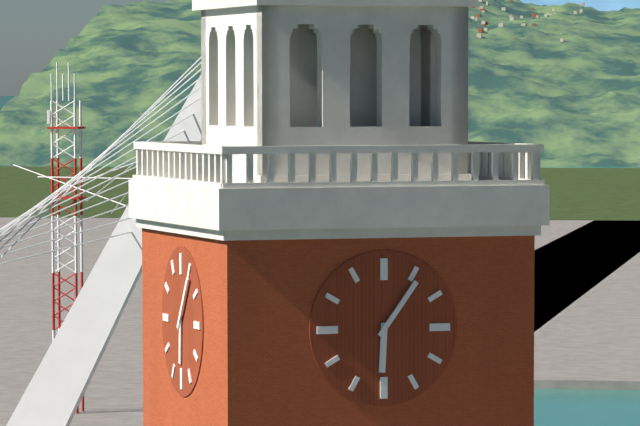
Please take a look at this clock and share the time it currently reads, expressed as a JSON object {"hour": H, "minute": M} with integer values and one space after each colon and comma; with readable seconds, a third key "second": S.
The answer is {"hour": 6, "minute": 6}
